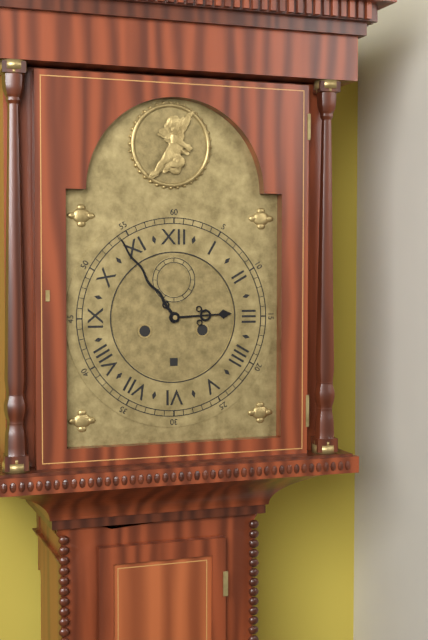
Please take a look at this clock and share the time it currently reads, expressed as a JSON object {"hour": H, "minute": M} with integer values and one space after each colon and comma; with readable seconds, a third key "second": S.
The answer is {"hour": 2, "minute": 54}
